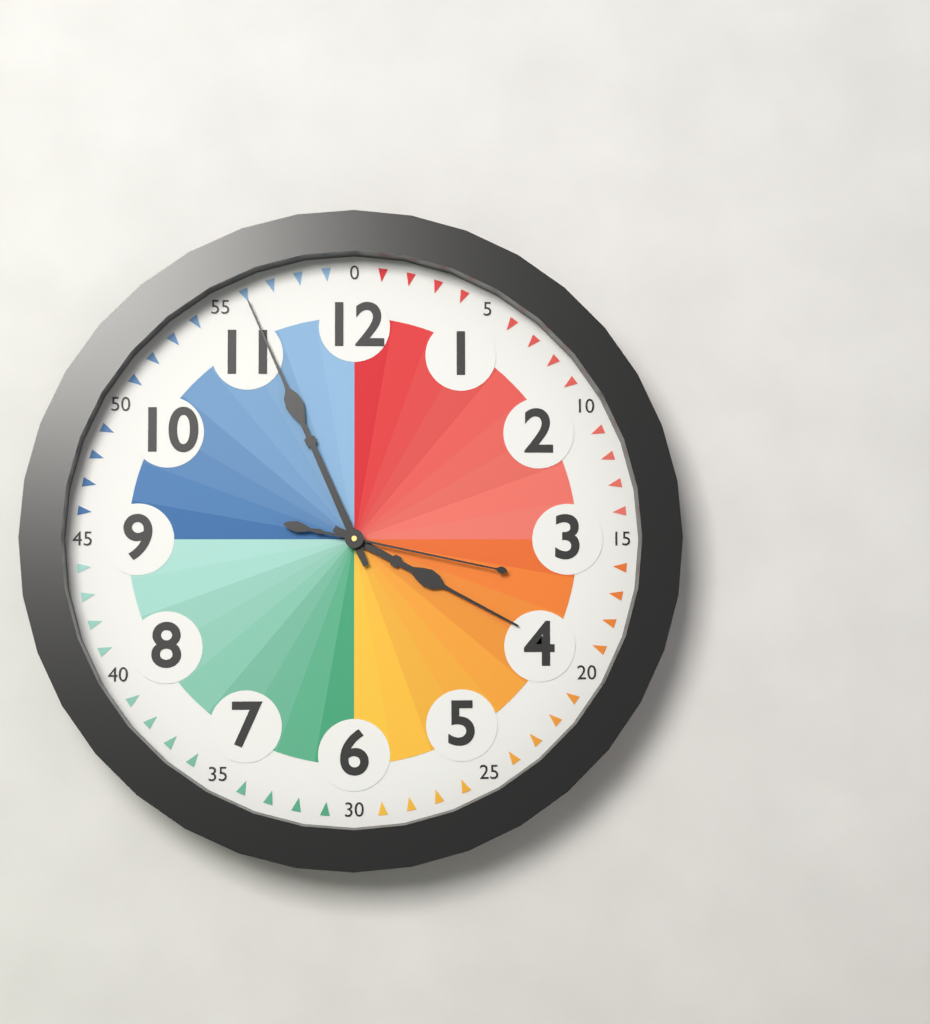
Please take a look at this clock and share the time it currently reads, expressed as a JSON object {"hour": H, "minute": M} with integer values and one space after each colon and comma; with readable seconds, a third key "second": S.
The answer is {"hour": 3, "minute": 56, "second": 17}
